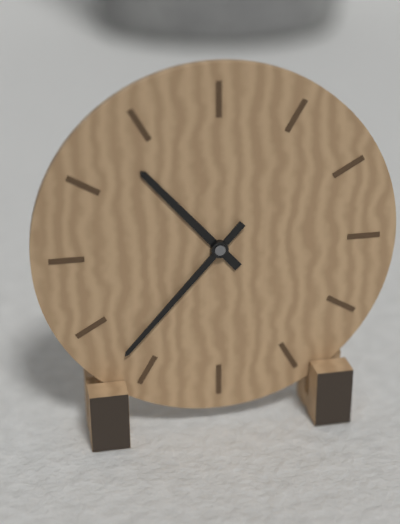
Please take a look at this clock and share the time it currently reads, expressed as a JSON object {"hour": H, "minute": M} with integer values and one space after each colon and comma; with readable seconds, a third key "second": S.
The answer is {"hour": 10, "minute": 37}
